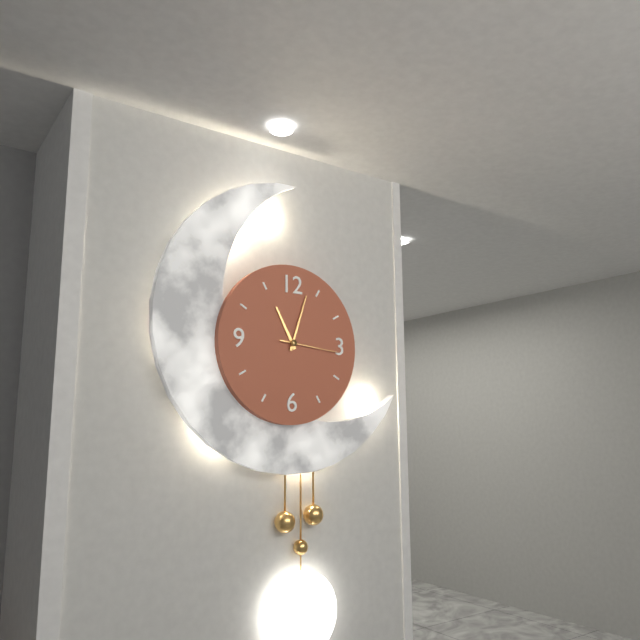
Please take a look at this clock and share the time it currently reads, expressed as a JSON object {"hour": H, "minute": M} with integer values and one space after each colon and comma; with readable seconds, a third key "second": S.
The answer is {"hour": 11, "minute": 3, "second": 16}
